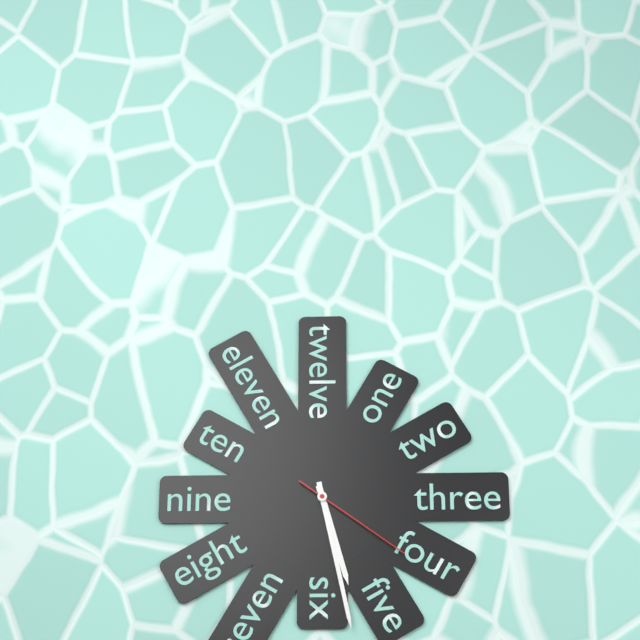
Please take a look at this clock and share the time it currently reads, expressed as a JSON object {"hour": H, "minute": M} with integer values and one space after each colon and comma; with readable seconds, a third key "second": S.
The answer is {"hour": 5, "minute": 28, "second": 21}
